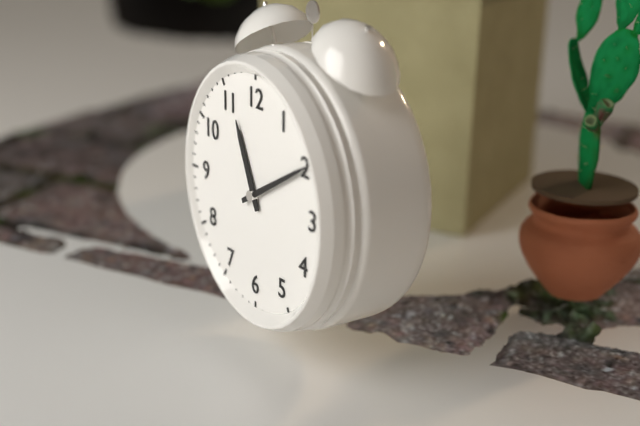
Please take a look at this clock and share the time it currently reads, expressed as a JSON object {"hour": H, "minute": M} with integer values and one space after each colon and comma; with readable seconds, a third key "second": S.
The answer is {"hour": 11, "minute": 10}
